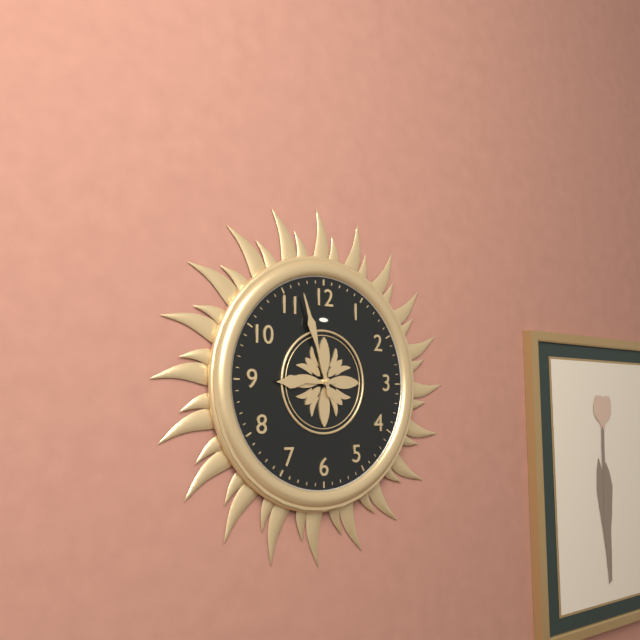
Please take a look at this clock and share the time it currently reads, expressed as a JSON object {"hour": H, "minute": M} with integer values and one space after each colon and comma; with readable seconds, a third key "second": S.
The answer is {"hour": 8, "minute": 57}
